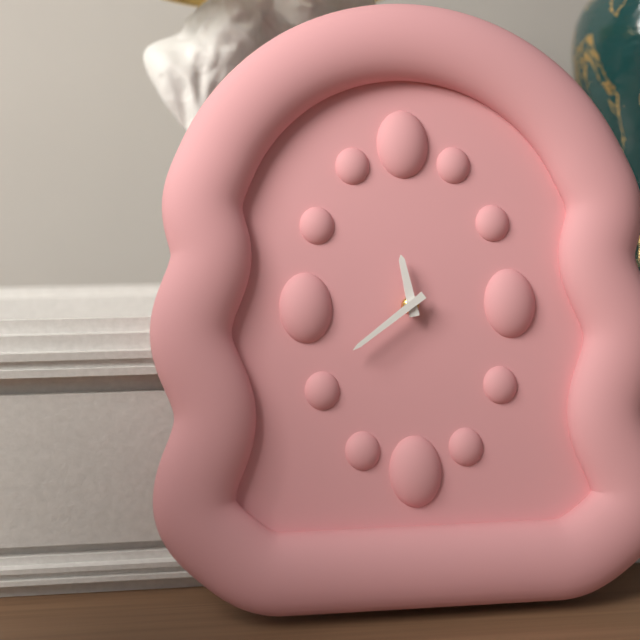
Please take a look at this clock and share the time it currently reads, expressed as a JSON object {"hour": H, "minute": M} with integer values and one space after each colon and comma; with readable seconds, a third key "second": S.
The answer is {"hour": 11, "minute": 39}
